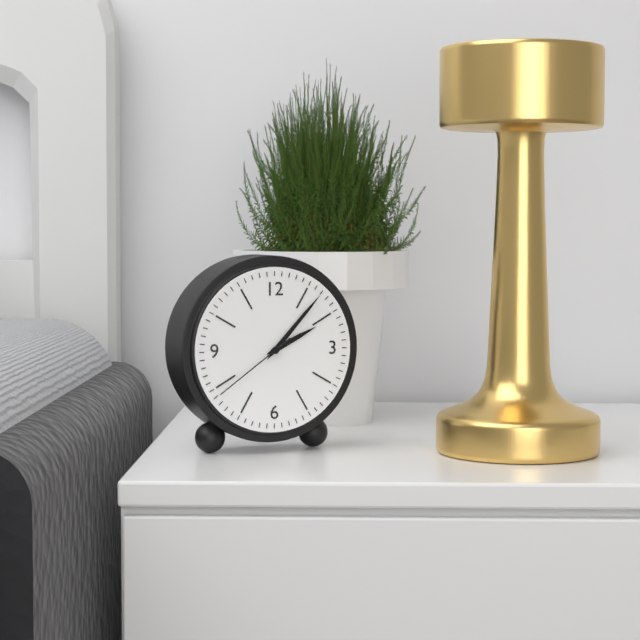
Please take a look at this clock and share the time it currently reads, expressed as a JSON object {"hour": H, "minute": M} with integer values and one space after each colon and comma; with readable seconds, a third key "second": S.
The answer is {"hour": 2, "minute": 7, "second": 39}
